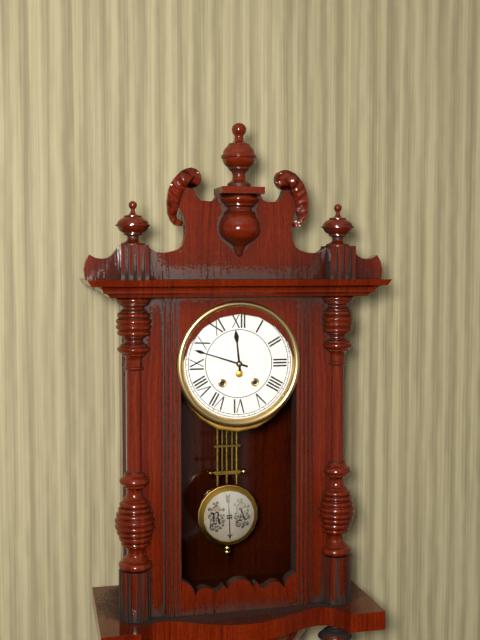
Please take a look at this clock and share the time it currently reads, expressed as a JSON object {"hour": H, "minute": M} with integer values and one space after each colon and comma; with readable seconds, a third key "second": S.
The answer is {"hour": 11, "minute": 48}
